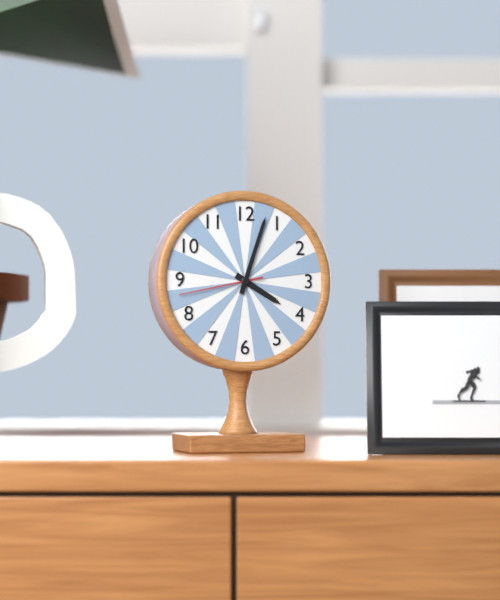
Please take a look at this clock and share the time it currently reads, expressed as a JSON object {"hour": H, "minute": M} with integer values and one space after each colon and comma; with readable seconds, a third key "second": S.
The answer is {"hour": 4, "minute": 3, "second": 43}
